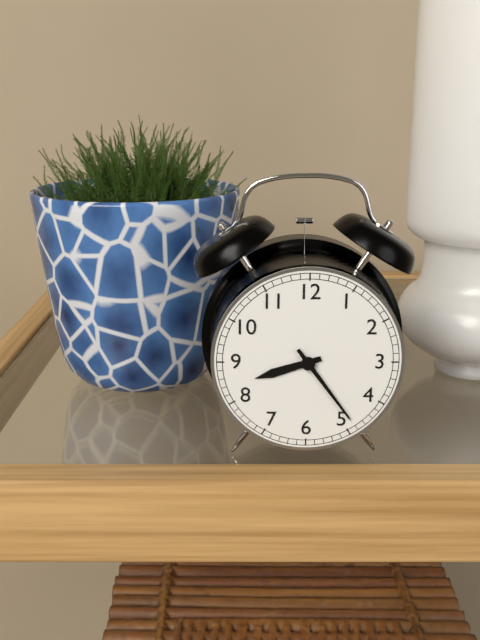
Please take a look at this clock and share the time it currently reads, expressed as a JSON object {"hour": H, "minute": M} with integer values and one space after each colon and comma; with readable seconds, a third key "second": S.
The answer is {"hour": 8, "minute": 24}
